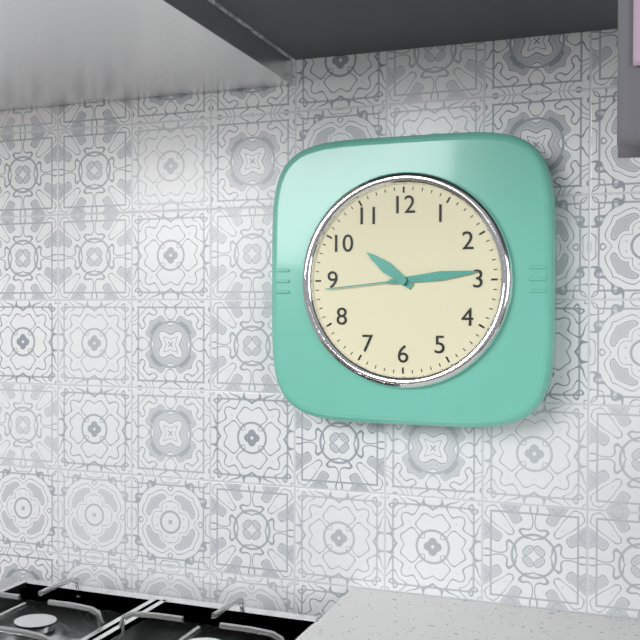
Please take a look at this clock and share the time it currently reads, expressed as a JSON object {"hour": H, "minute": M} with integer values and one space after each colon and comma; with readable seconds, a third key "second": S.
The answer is {"hour": 10, "minute": 14, "second": 44}
